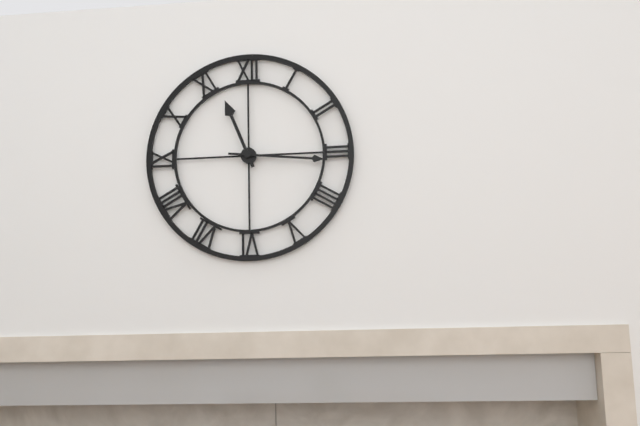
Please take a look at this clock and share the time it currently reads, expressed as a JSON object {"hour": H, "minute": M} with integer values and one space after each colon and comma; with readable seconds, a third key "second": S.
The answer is {"hour": 11, "minute": 16}
